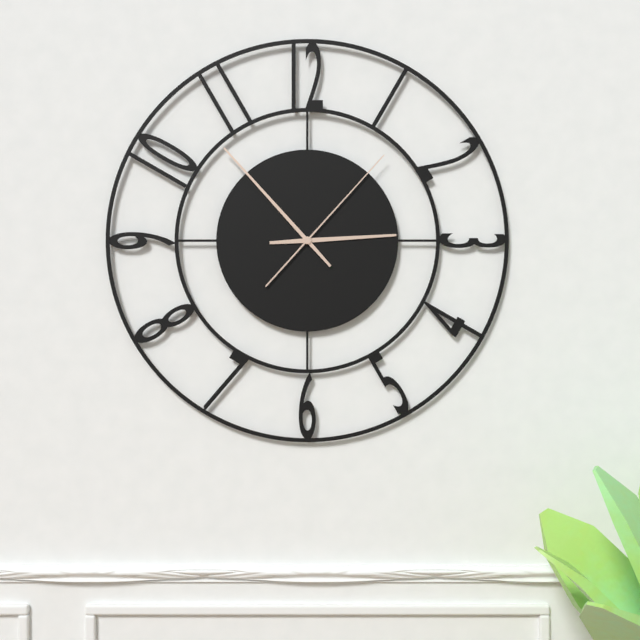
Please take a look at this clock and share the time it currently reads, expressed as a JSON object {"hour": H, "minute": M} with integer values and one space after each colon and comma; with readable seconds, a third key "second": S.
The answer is {"hour": 2, "minute": 53, "second": 7}
